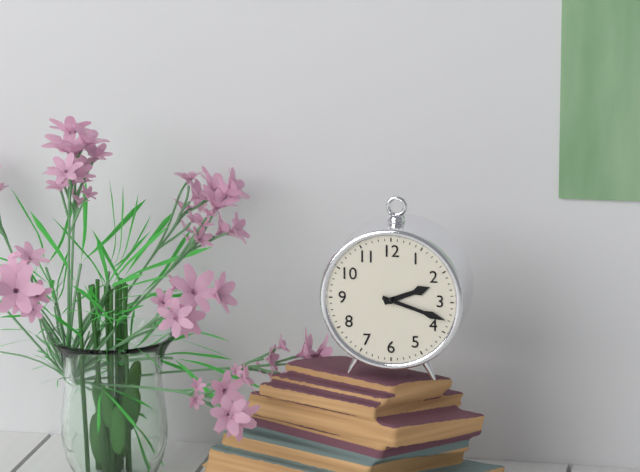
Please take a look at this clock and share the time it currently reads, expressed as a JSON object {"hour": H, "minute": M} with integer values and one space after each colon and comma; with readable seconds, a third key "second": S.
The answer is {"hour": 2, "minute": 18}
